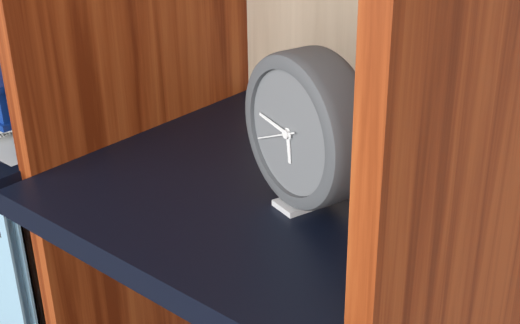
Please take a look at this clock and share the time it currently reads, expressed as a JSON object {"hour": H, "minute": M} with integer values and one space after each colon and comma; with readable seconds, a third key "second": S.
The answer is {"hour": 5, "minute": 46}
